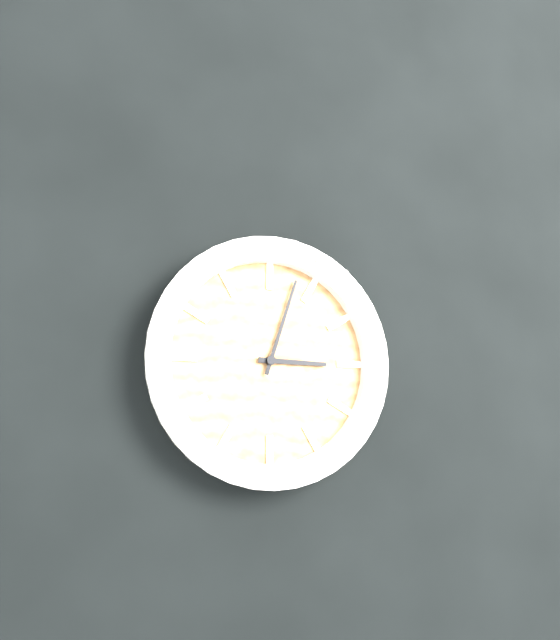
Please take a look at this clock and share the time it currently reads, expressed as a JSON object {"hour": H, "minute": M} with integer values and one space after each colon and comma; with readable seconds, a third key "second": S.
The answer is {"hour": 3, "minute": 3}
